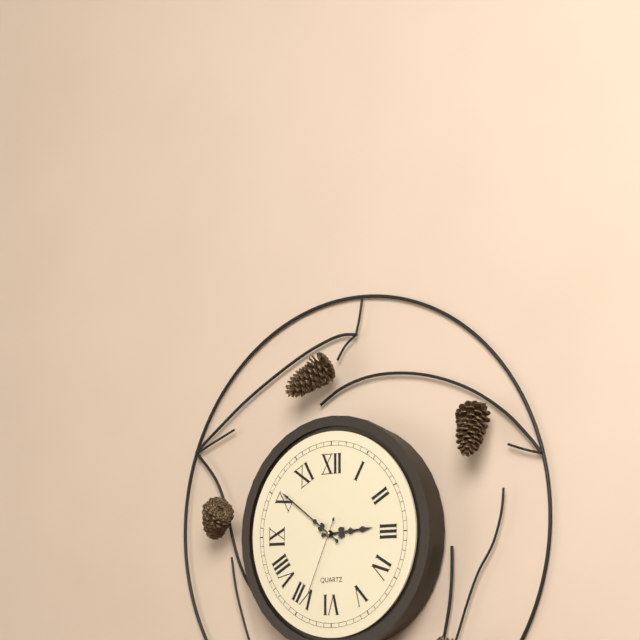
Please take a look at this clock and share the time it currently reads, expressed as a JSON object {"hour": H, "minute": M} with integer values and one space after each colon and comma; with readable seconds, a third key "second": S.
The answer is {"hour": 2, "minute": 51, "second": 34}
